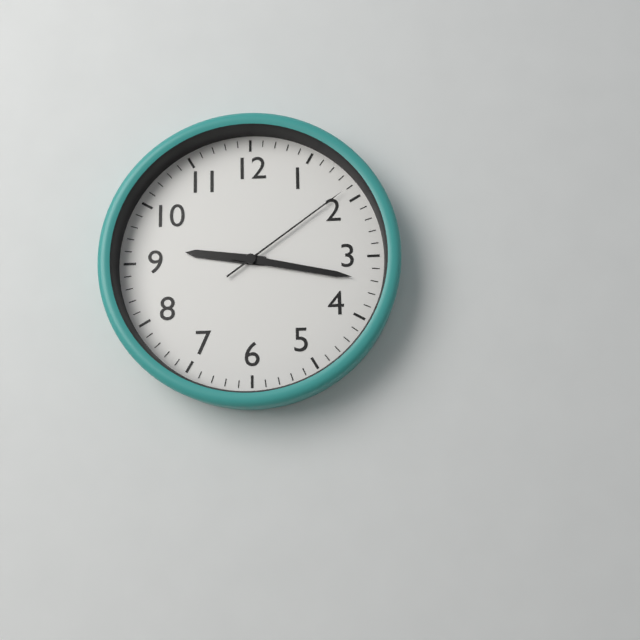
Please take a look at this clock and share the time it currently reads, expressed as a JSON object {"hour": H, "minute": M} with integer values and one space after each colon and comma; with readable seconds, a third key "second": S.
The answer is {"hour": 9, "minute": 17, "second": 9}
